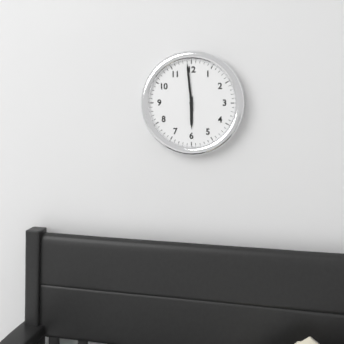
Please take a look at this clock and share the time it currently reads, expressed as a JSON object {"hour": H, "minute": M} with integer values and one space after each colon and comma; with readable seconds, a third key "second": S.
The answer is {"hour": 5, "minute": 59}
